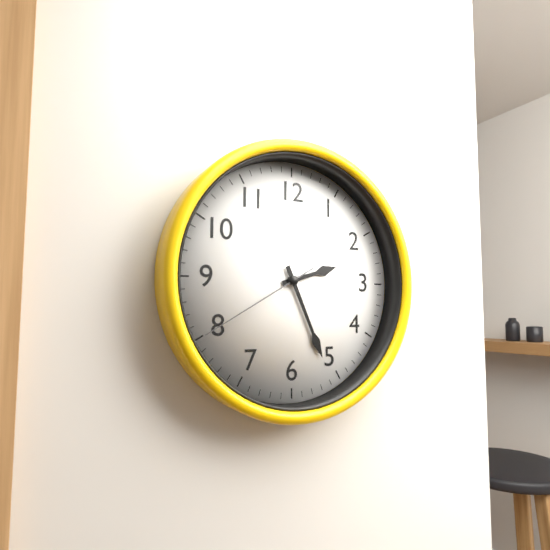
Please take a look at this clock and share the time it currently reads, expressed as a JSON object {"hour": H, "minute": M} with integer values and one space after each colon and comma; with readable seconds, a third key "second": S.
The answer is {"hour": 2, "minute": 26, "second": 40}
